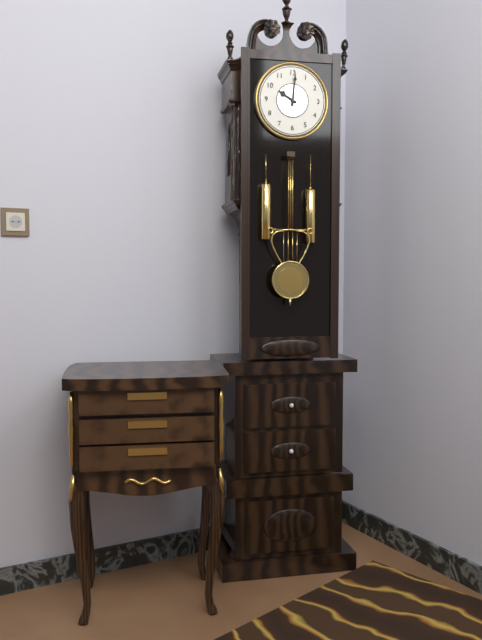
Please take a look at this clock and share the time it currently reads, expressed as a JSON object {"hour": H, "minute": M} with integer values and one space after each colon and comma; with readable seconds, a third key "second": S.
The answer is {"hour": 10, "minute": 1}
